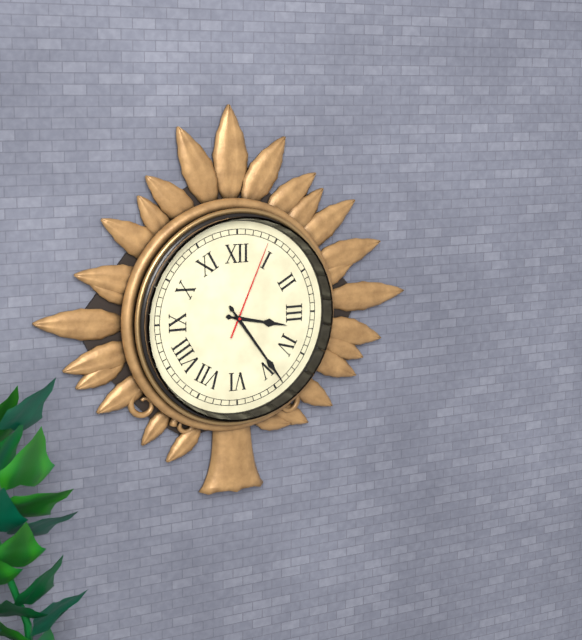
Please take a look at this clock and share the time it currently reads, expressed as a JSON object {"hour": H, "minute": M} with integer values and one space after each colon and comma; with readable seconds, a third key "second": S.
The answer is {"hour": 3, "minute": 24, "second": 4}
